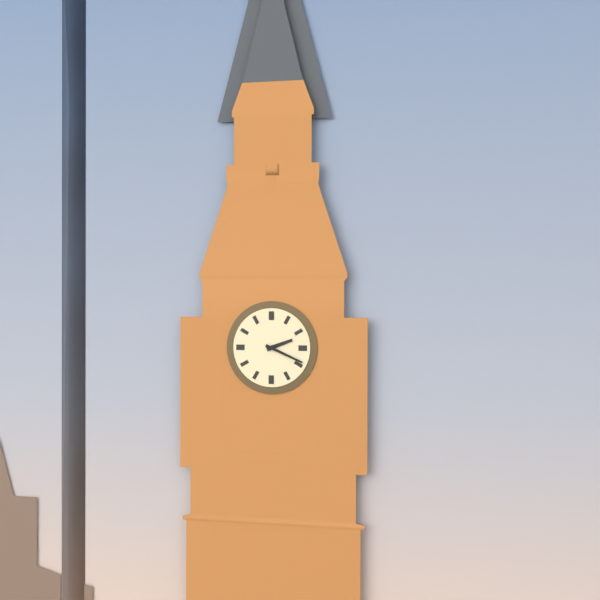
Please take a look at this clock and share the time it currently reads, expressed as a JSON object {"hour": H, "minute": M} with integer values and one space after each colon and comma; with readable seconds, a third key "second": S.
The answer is {"hour": 2, "minute": 19}
